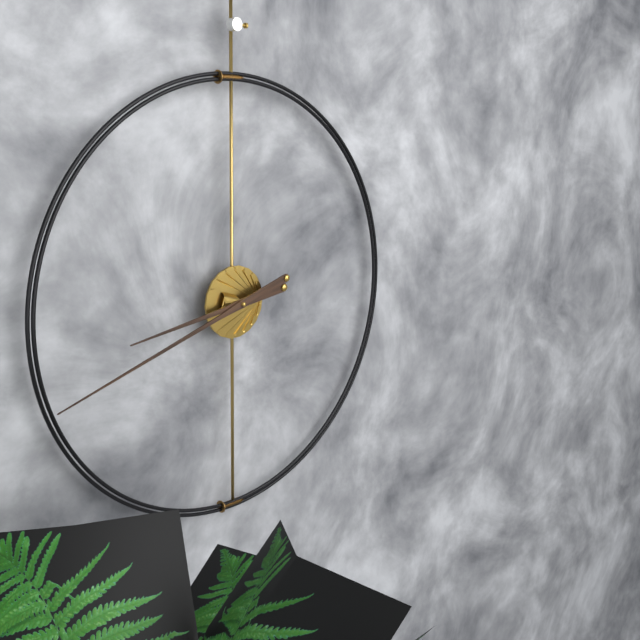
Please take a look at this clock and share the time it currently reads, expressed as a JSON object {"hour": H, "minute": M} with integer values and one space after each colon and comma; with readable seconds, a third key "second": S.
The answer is {"hour": 8, "minute": 42}
